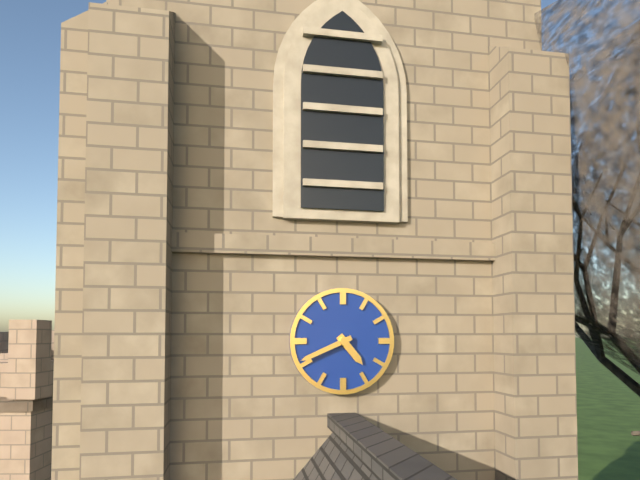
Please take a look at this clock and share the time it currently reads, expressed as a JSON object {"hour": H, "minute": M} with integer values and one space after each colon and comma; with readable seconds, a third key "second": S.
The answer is {"hour": 4, "minute": 41}
